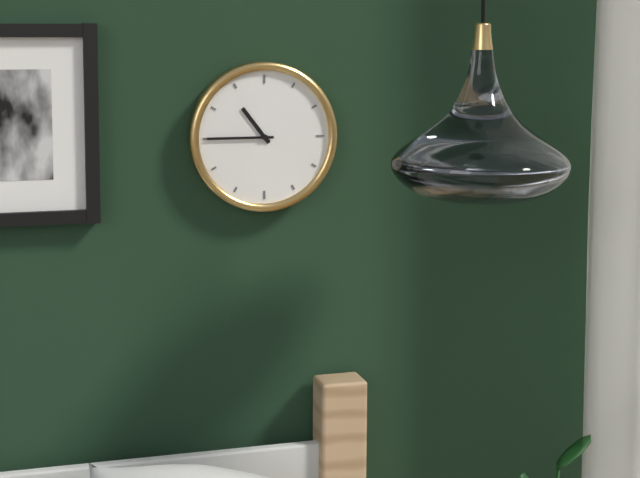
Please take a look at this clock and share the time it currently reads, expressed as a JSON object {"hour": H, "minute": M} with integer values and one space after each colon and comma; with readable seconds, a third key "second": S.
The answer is {"hour": 10, "minute": 45}
